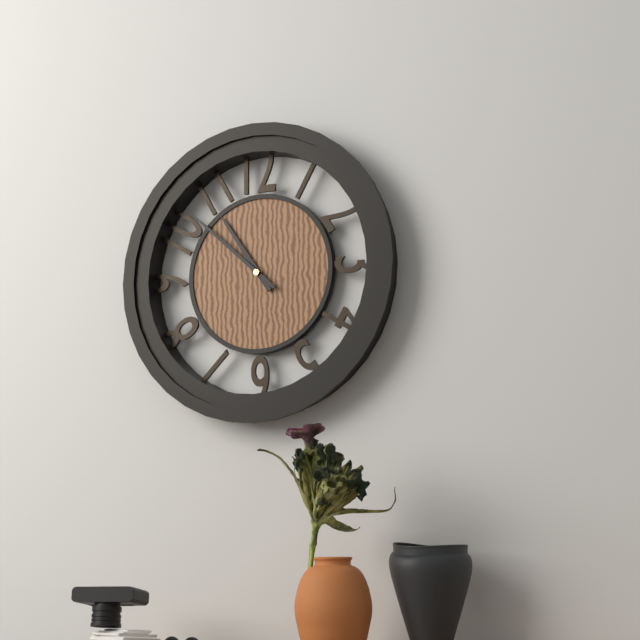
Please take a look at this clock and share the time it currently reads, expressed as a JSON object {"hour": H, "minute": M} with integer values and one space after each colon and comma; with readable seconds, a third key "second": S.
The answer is {"hour": 10, "minute": 52}
